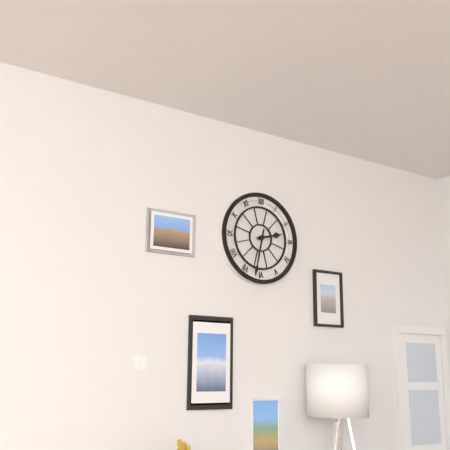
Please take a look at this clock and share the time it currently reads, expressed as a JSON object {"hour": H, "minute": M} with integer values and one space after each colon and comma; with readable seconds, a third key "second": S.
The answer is {"hour": 2, "minute": 32}
